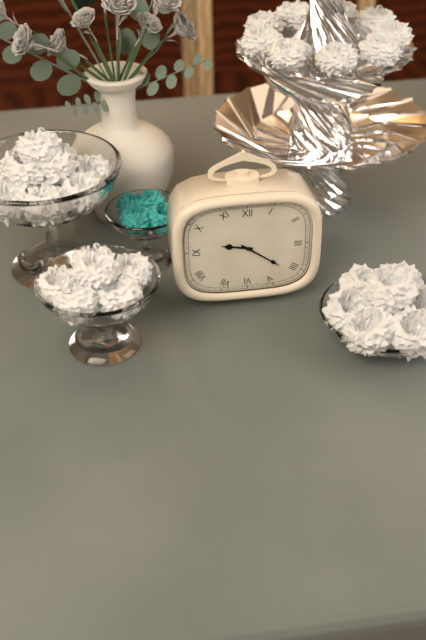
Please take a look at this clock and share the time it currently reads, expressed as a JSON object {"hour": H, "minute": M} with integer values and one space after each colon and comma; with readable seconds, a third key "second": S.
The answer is {"hour": 9, "minute": 21}
